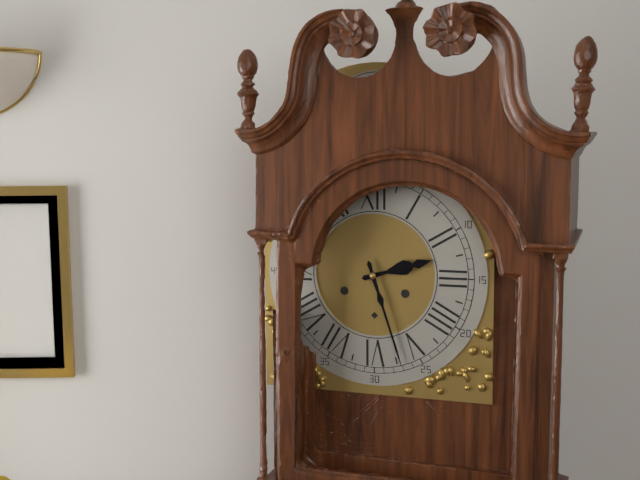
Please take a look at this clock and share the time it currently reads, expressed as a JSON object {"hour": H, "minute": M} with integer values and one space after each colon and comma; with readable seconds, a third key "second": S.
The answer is {"hour": 2, "minute": 27}
